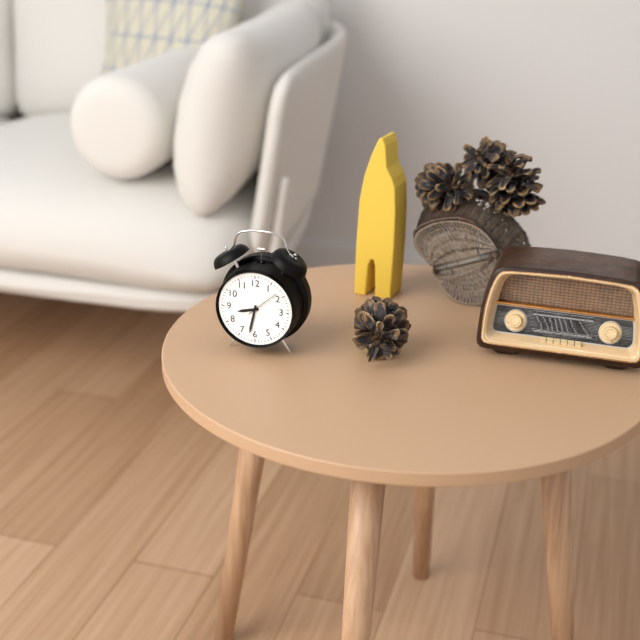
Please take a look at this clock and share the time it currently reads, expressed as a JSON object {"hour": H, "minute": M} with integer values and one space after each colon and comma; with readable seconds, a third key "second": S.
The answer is {"hour": 8, "minute": 32}
